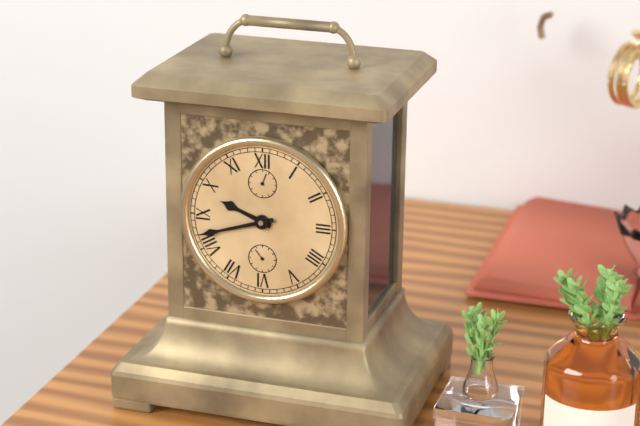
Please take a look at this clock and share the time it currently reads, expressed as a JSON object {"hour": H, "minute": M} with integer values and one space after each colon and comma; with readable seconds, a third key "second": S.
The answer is {"hour": 9, "minute": 42}
